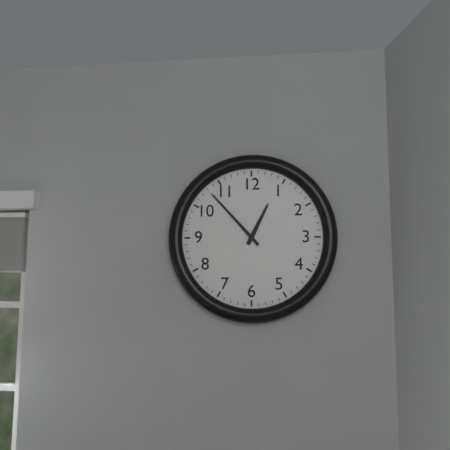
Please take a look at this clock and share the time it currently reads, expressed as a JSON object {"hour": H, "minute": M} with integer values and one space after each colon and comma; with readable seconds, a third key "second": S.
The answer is {"hour": 12, "minute": 53}
